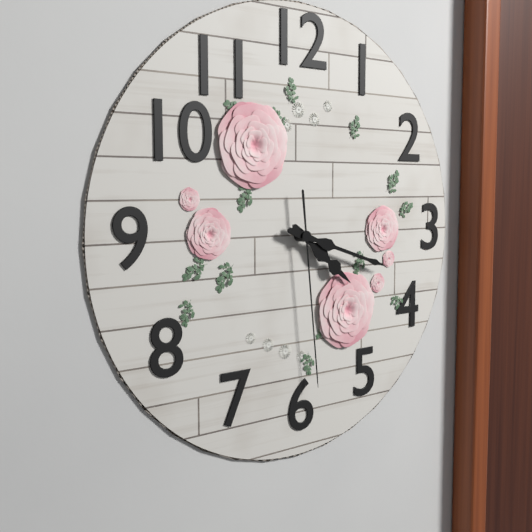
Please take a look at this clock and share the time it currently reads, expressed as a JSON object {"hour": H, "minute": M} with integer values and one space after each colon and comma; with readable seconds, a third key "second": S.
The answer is {"hour": 4, "minute": 18, "second": 29}
